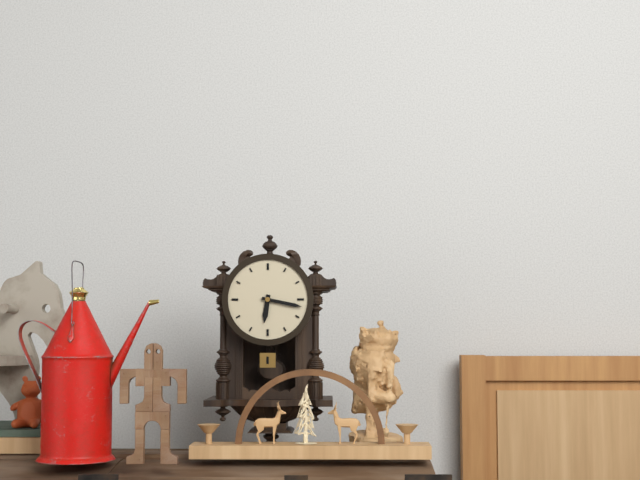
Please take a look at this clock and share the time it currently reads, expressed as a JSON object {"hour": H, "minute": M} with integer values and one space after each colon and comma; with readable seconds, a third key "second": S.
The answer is {"hour": 6, "minute": 17}
